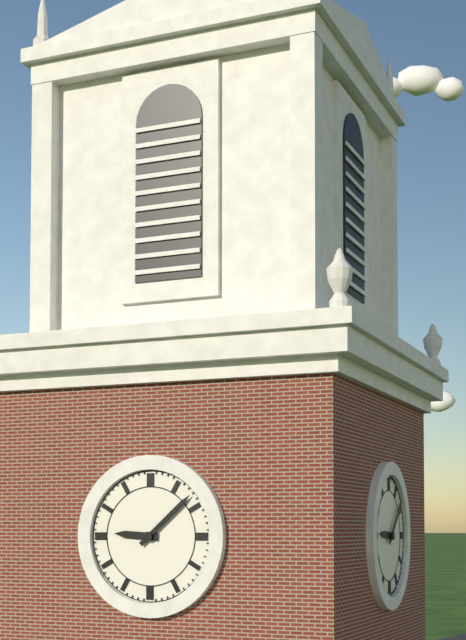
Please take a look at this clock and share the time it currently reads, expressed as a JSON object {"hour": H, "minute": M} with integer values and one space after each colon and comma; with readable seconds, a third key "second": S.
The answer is {"hour": 9, "minute": 8}
